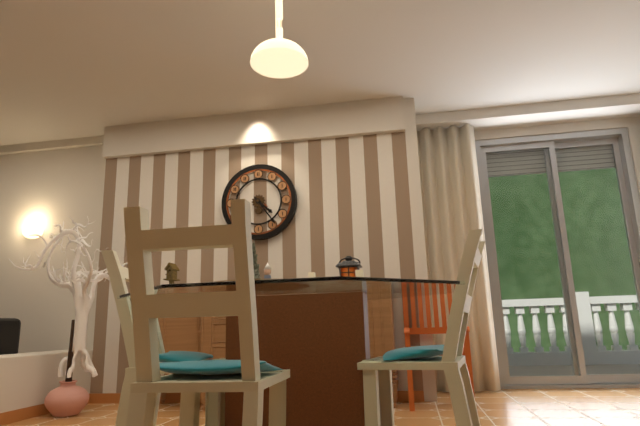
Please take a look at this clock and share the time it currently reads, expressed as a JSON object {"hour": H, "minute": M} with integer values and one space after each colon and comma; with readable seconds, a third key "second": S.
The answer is {"hour": 4, "minute": 24}
